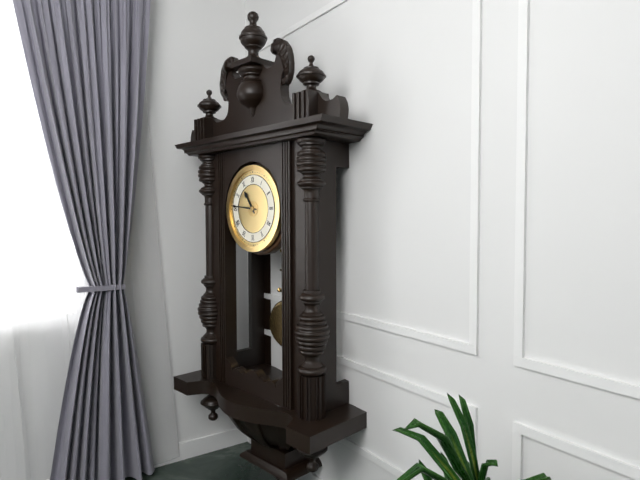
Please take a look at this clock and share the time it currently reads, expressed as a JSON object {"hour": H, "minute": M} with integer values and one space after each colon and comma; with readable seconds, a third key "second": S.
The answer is {"hour": 10, "minute": 46}
